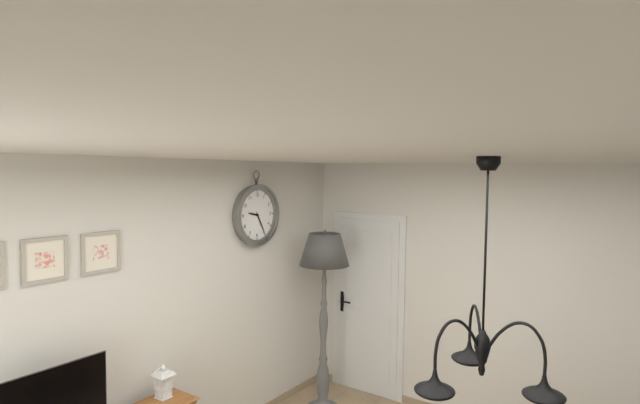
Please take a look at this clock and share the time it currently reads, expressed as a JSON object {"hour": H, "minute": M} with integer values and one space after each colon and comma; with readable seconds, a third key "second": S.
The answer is {"hour": 9, "minute": 25}
